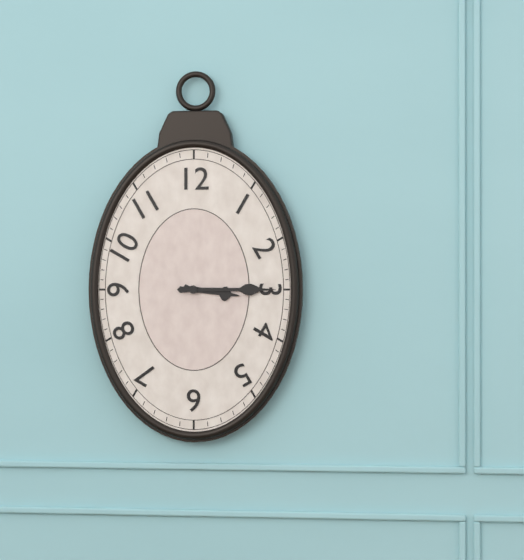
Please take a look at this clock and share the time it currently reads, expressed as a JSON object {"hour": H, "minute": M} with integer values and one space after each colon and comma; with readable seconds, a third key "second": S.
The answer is {"hour": 3, "minute": 15}
